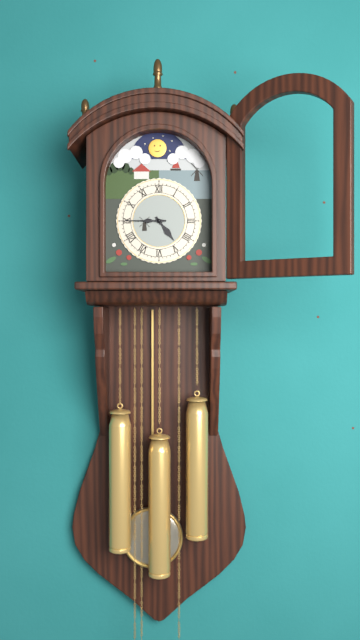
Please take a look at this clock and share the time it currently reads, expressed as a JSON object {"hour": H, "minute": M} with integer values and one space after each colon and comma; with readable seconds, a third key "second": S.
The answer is {"hour": 4, "minute": 45}
